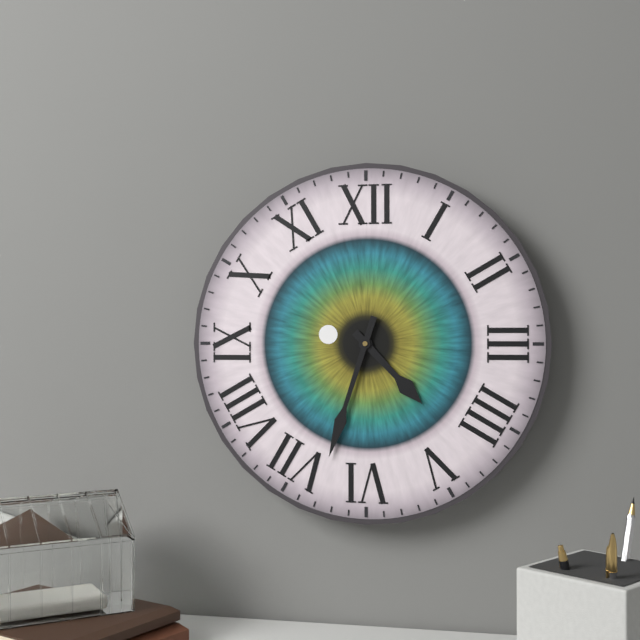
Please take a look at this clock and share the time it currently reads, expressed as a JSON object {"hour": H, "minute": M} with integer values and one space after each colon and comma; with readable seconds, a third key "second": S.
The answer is {"hour": 4, "minute": 33}
